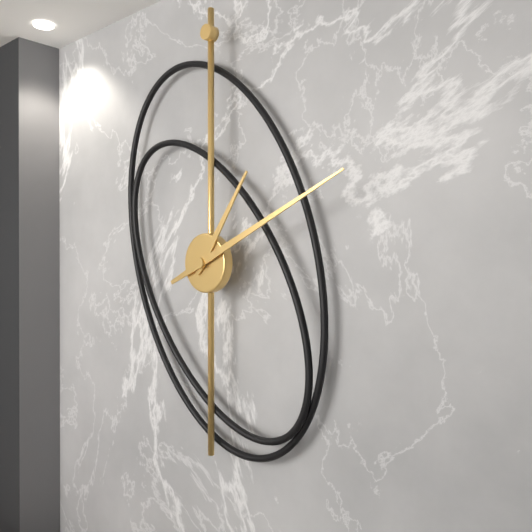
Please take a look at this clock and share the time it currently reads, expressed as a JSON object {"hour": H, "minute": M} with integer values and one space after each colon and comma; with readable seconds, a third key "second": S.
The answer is {"hour": 1, "minute": 11}
